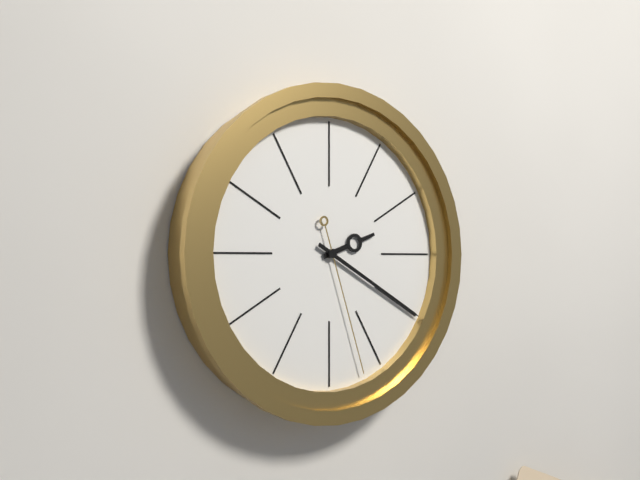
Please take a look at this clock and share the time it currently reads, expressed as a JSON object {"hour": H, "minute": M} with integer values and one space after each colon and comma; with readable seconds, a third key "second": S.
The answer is {"hour": 2, "minute": 20, "second": 27}
